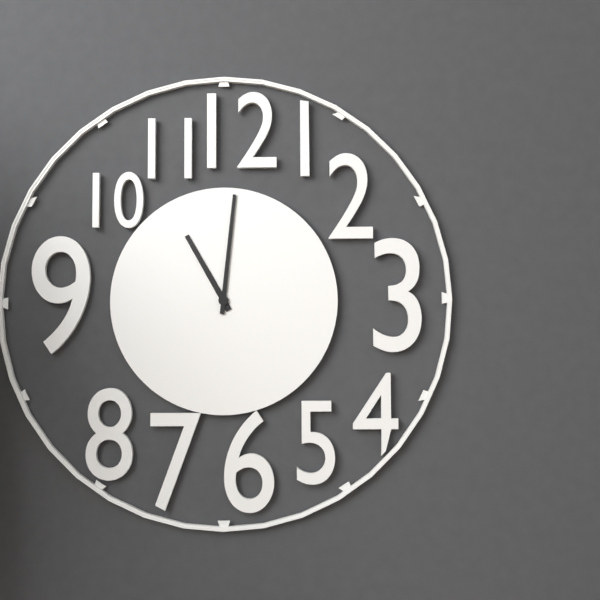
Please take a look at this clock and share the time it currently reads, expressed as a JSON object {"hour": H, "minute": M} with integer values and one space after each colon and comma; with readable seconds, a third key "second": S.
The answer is {"hour": 11, "minute": 1}
